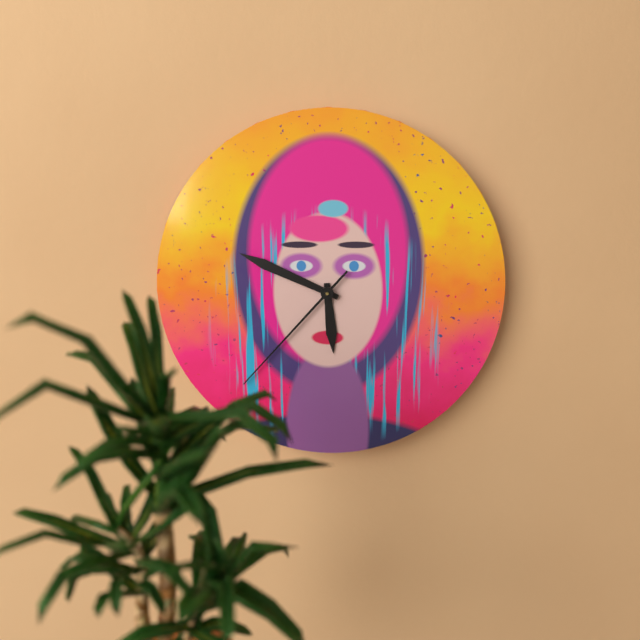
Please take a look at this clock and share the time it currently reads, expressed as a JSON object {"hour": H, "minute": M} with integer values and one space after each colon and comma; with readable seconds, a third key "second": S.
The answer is {"hour": 5, "minute": 49, "second": 37}
